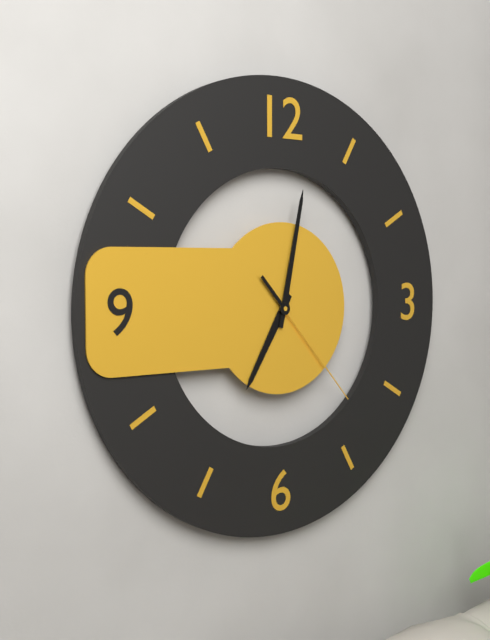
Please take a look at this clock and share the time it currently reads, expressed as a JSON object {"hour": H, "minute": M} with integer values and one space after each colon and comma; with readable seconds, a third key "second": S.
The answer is {"hour": 7, "minute": 2, "second": 23}
